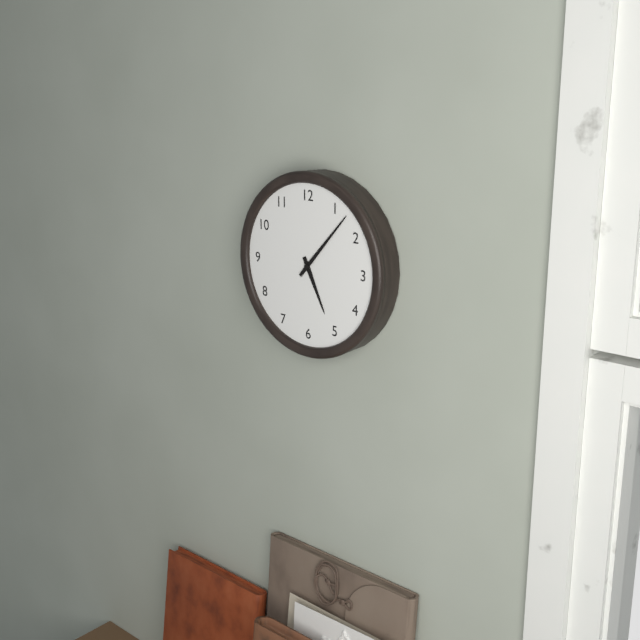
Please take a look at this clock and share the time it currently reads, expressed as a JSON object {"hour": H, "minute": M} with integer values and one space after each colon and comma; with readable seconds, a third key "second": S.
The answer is {"hour": 5, "minute": 7}
